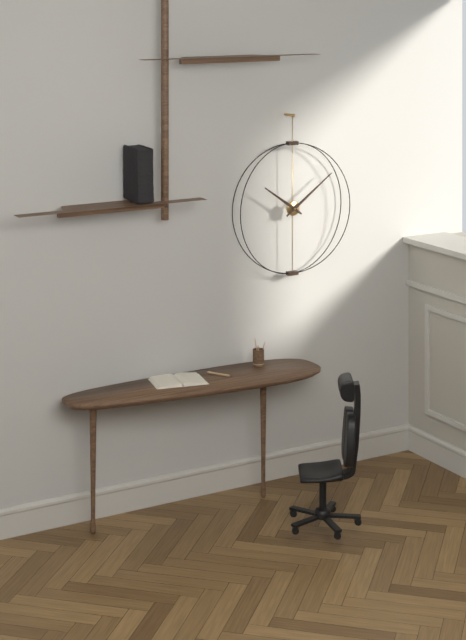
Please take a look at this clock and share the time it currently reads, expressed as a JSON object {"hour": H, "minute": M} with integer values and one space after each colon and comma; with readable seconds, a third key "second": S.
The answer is {"hour": 10, "minute": 9}
